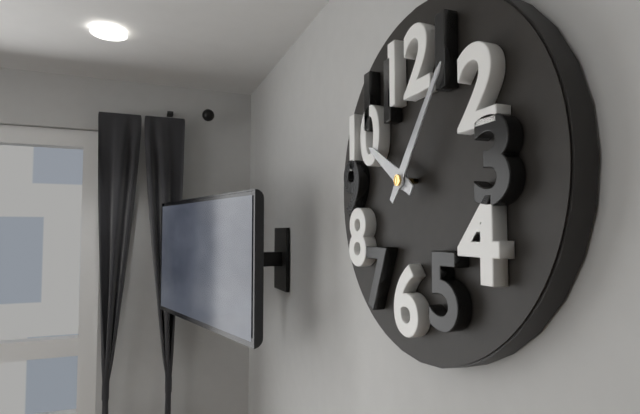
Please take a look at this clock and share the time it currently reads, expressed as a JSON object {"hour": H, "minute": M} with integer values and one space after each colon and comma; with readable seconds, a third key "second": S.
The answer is {"hour": 10, "minute": 6}
